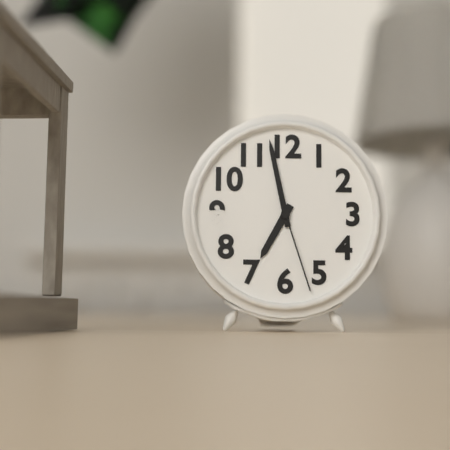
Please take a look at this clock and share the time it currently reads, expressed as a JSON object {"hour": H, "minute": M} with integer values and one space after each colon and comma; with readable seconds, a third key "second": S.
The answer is {"hour": 6, "minute": 58, "second": 27}
